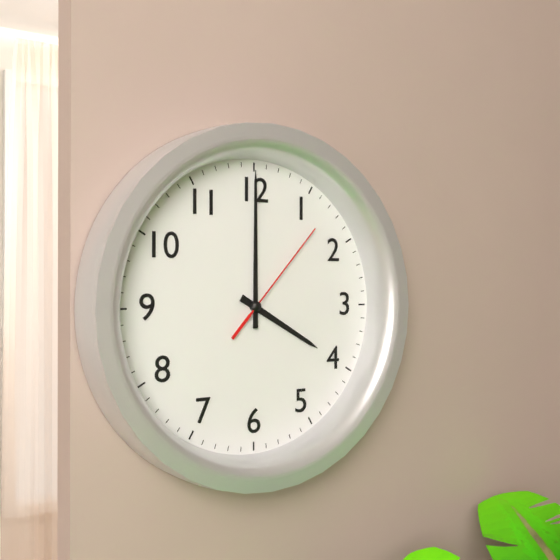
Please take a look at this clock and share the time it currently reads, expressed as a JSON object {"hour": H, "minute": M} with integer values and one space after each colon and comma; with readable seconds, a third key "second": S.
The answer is {"hour": 4, "minute": 0, "second": 7}
